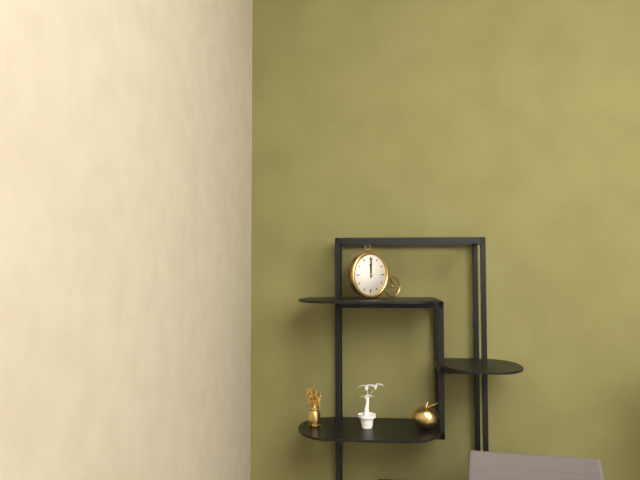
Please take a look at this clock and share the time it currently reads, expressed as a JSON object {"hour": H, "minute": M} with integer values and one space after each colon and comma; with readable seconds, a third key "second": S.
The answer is {"hour": 12, "minute": 0}
